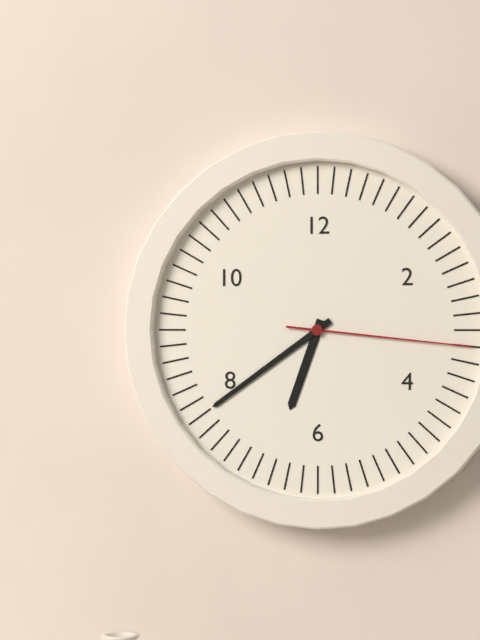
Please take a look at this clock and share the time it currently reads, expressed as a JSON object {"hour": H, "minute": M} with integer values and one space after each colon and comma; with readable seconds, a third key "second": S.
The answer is {"hour": 6, "minute": 39, "second": 16}
